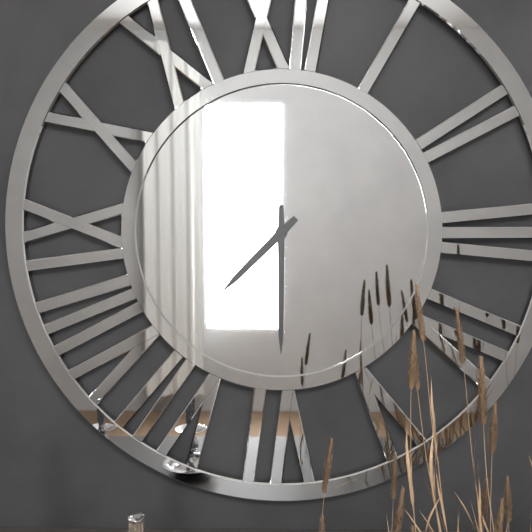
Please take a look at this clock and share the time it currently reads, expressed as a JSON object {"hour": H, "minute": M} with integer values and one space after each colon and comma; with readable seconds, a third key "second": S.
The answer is {"hour": 7, "minute": 30}
